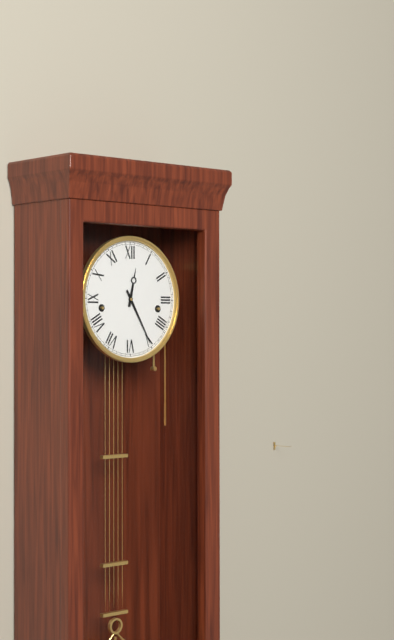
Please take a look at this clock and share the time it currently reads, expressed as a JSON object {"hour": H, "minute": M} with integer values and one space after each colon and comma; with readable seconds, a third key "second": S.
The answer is {"hour": 12, "minute": 25}
